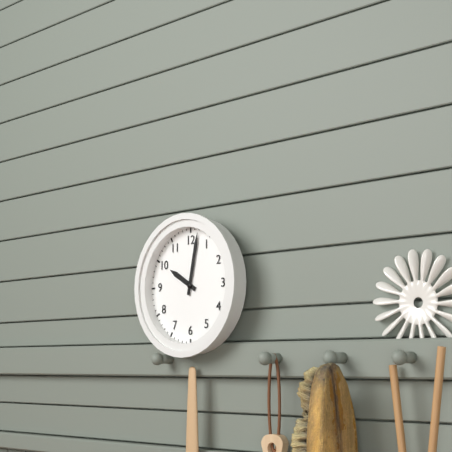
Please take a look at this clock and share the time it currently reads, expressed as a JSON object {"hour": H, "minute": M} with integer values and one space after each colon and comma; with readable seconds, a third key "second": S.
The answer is {"hour": 10, "minute": 2}
